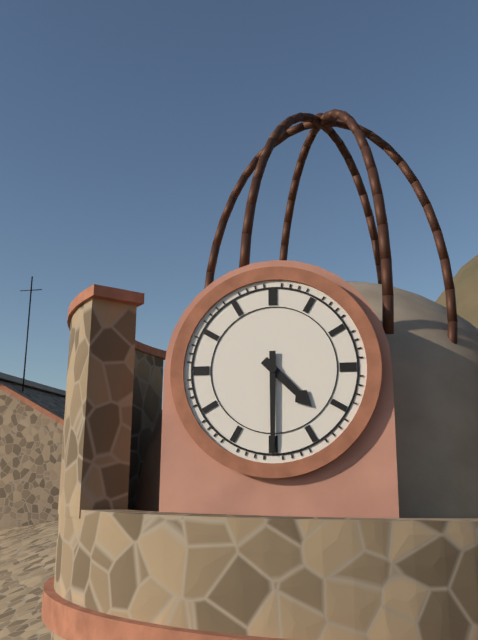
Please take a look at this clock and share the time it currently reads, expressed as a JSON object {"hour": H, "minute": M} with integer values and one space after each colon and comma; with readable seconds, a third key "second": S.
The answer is {"hour": 4, "minute": 30}
